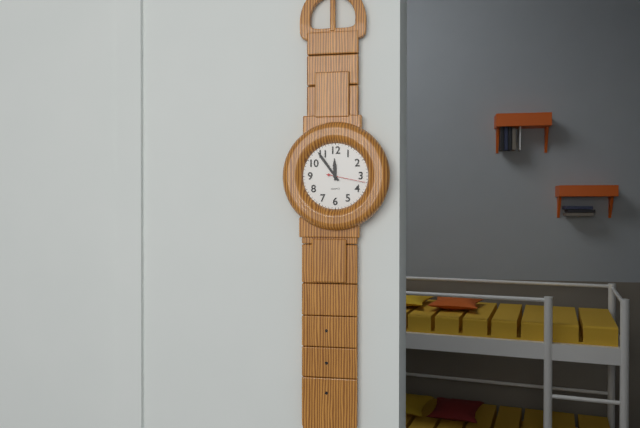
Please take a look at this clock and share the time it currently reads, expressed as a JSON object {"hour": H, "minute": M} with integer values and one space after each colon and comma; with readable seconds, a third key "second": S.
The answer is {"hour": 11, "minute": 54}
